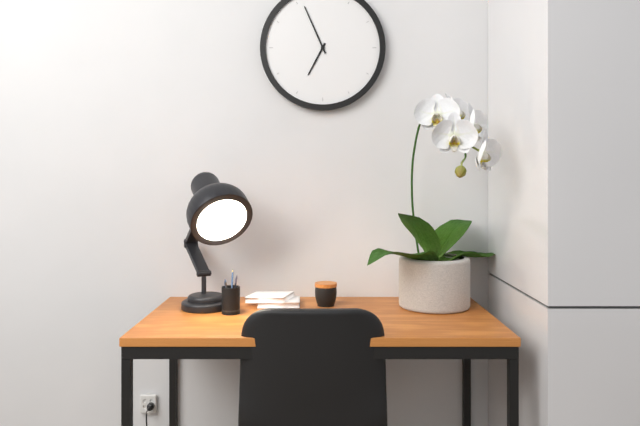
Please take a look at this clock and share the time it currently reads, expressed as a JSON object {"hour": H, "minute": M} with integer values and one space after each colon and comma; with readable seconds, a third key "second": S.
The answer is {"hour": 6, "minute": 56}
